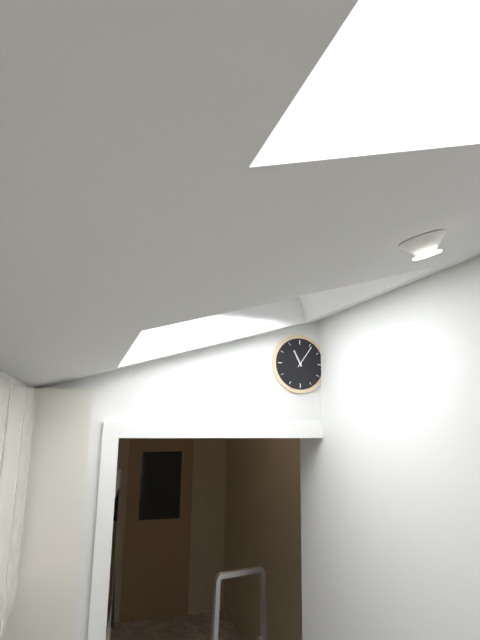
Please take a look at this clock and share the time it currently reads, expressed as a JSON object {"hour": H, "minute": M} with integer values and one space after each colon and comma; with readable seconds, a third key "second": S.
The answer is {"hour": 11, "minute": 6}
